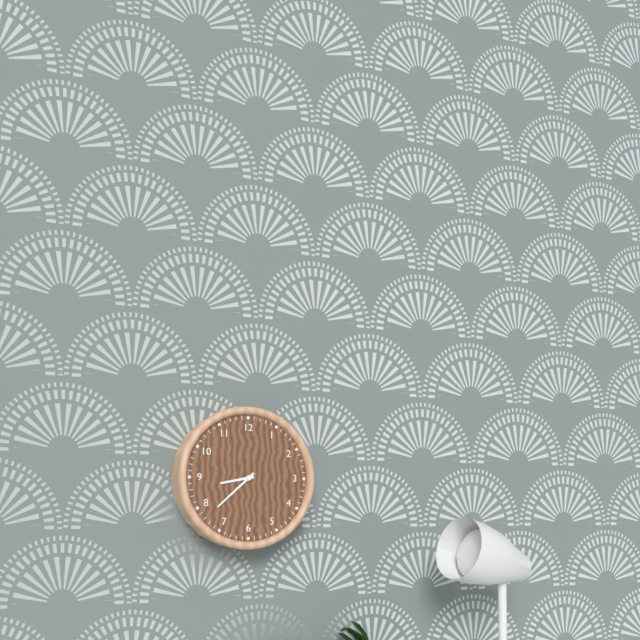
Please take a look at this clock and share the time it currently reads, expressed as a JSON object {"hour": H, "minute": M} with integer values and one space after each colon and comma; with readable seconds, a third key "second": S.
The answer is {"hour": 8, "minute": 38}
